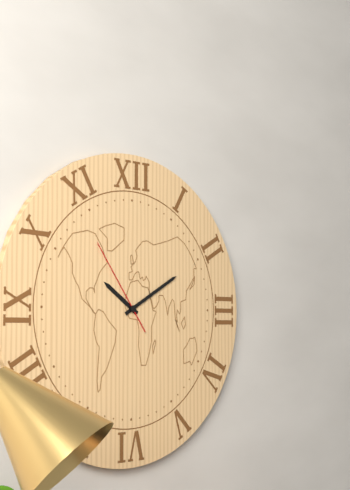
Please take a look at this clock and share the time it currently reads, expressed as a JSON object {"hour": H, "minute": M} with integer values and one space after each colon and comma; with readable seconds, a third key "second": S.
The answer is {"hour": 10, "minute": 10, "second": 54}
